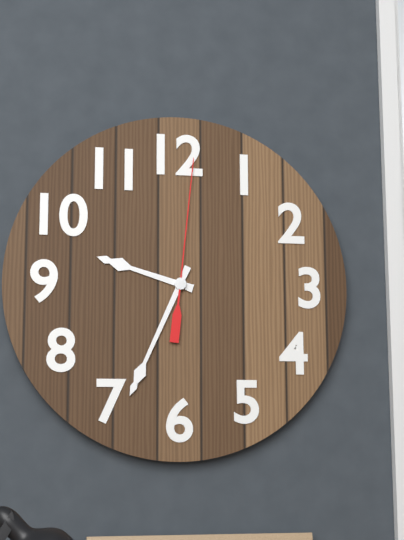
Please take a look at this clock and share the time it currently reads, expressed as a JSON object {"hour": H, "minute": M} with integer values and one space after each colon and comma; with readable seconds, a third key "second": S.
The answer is {"hour": 9, "minute": 34, "second": 1}
